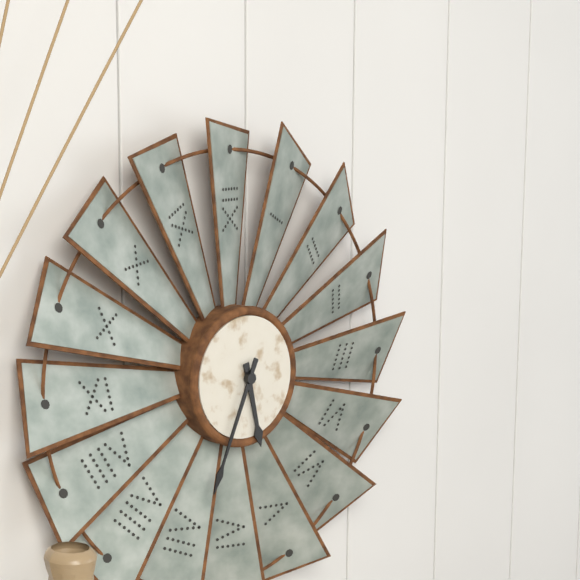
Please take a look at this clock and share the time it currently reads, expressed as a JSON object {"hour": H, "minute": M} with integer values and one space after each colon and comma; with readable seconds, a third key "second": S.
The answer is {"hour": 5, "minute": 34}
